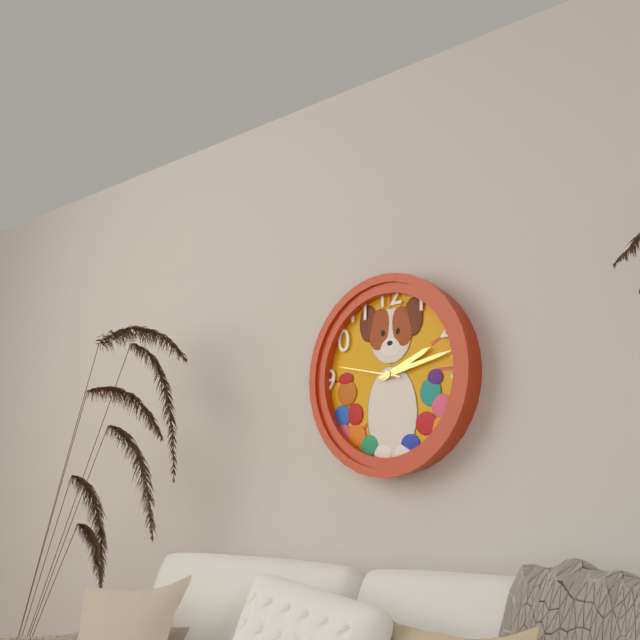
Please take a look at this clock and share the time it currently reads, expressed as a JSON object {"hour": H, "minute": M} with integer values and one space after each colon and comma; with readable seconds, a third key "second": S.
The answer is {"hour": 2, "minute": 13, "second": 47}
